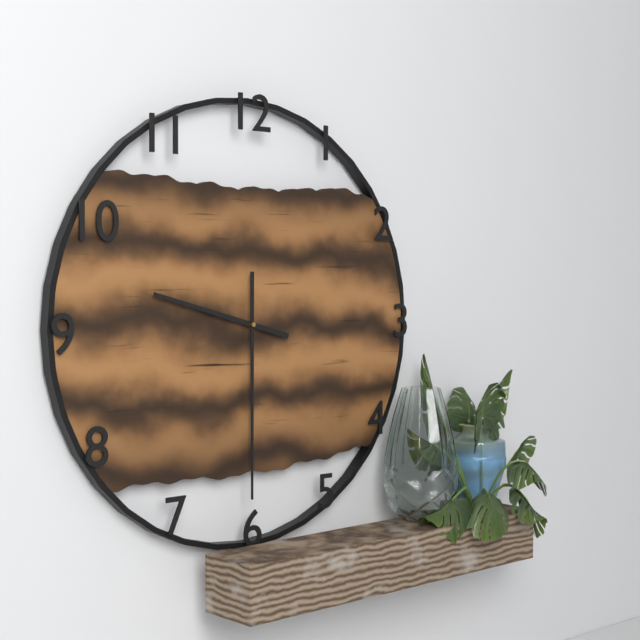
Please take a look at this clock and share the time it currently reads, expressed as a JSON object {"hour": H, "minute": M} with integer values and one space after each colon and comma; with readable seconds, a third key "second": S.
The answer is {"hour": 9, "minute": 30}
